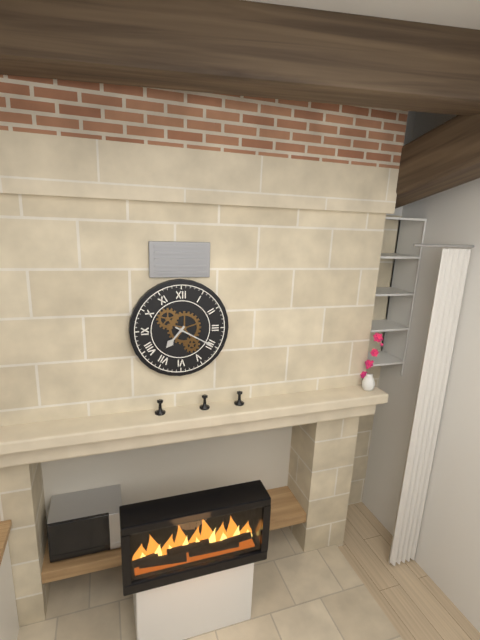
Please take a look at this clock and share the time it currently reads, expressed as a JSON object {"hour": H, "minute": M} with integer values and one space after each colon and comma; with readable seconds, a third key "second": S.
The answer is {"hour": 7, "minute": 20}
